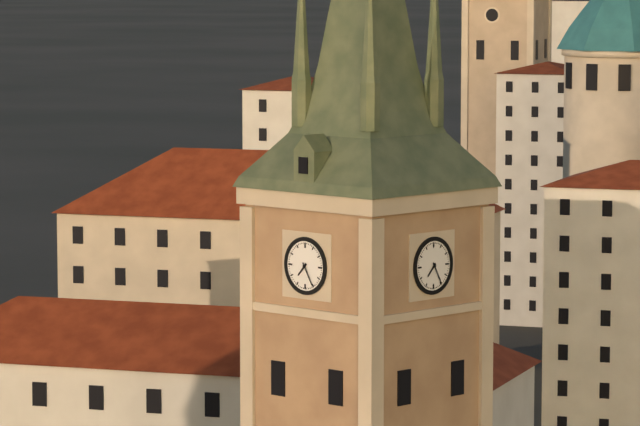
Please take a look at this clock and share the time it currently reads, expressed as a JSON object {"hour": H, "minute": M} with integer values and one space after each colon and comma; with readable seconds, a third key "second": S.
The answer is {"hour": 7, "minute": 25}
